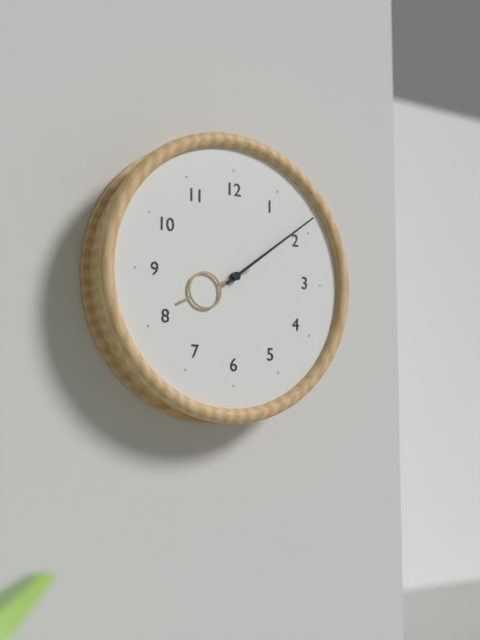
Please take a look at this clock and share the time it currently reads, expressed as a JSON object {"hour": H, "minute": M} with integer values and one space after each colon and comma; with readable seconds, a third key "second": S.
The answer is {"hour": 8, "minute": 9}
